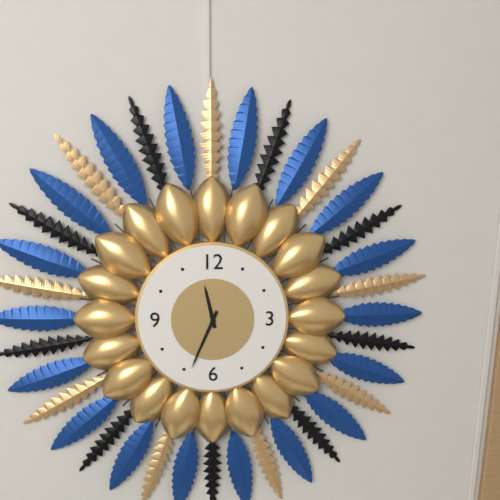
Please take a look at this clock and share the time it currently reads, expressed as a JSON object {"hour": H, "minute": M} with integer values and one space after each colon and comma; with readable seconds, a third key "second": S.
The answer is {"hour": 11, "minute": 34}
